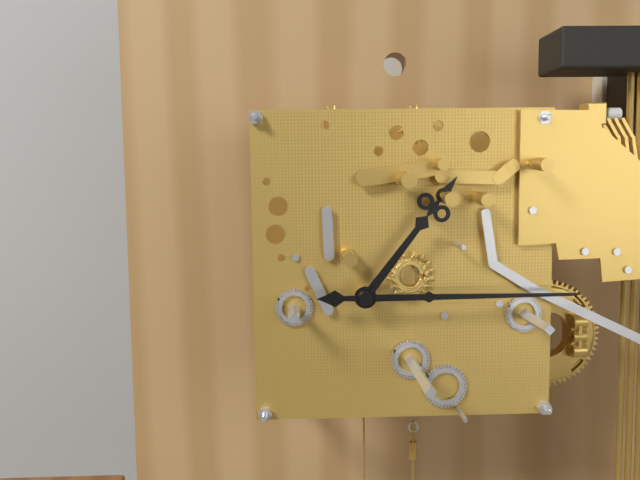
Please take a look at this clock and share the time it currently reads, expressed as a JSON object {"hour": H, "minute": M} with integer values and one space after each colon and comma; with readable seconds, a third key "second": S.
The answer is {"hour": 1, "minute": 15}
